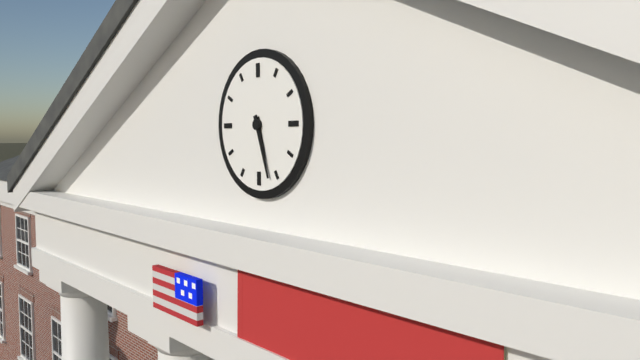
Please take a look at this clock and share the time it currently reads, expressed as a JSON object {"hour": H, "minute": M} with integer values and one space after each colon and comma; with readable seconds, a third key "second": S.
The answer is {"hour": 5, "minute": 27}
